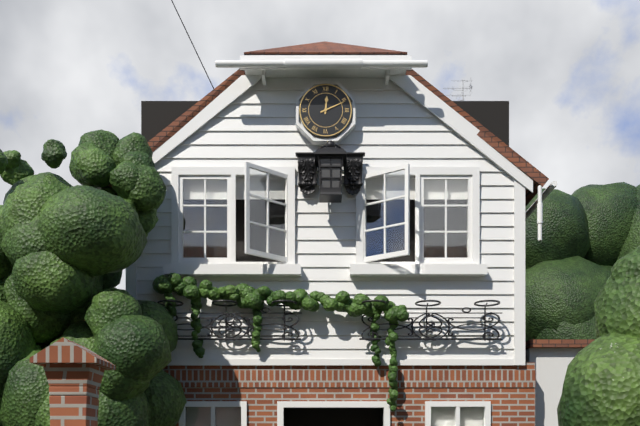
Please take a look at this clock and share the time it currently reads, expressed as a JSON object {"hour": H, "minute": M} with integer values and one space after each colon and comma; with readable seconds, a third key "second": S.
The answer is {"hour": 12, "minute": 11}
